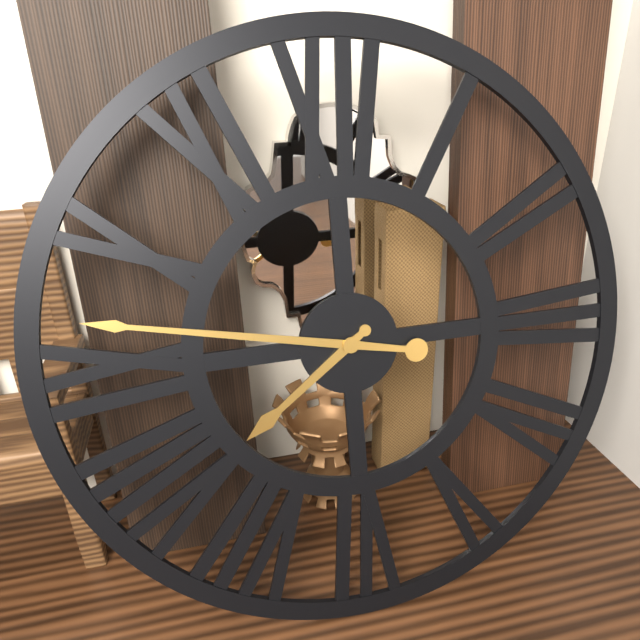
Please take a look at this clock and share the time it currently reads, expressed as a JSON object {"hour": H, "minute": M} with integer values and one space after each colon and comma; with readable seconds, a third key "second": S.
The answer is {"hour": 7, "minute": 47}
